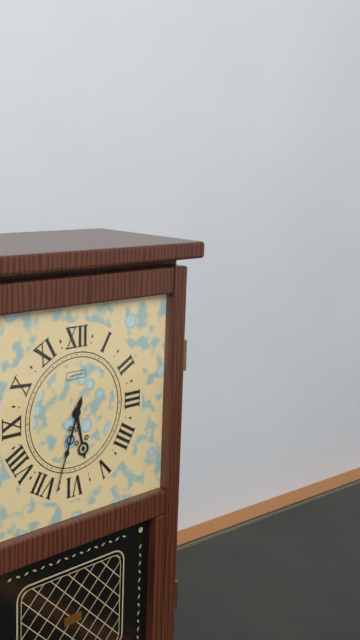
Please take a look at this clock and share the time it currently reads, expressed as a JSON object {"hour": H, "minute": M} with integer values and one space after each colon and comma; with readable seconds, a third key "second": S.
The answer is {"hour": 5, "minute": 33}
